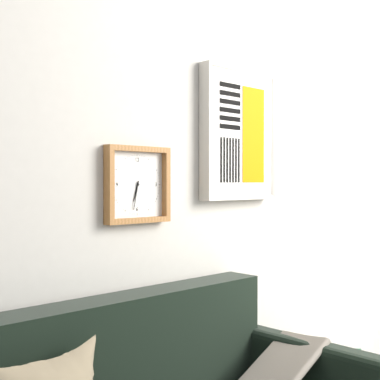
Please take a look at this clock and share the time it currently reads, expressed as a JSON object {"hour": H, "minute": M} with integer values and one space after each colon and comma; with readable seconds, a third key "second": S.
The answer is {"hour": 6, "minute": 32}
